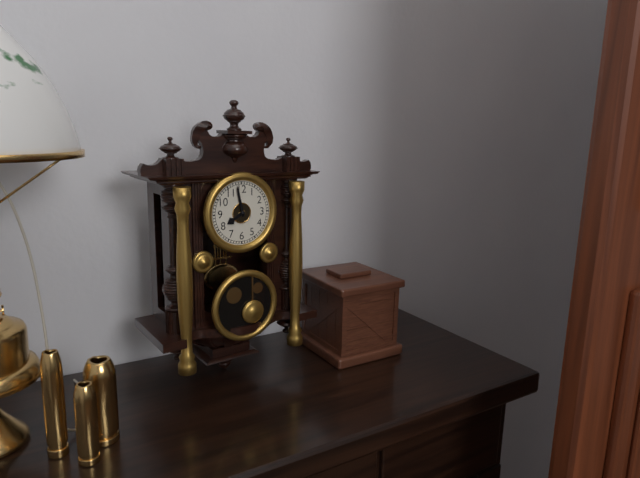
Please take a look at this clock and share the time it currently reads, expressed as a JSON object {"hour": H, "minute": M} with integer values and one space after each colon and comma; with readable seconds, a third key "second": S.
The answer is {"hour": 7, "minute": 58}
